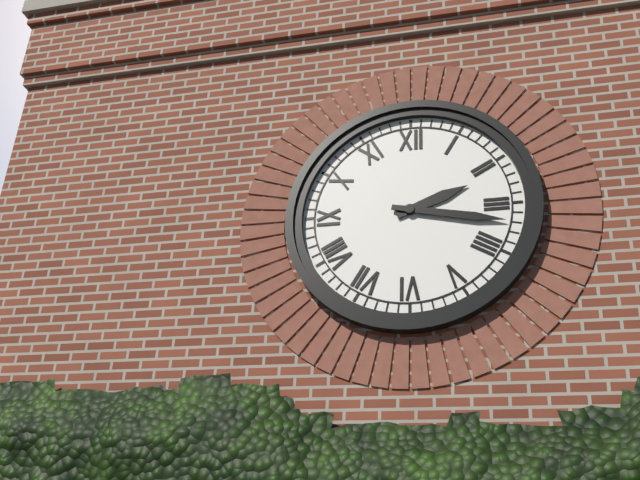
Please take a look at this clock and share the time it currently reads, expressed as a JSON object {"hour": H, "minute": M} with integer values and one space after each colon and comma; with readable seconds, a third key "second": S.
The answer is {"hour": 2, "minute": 17}
